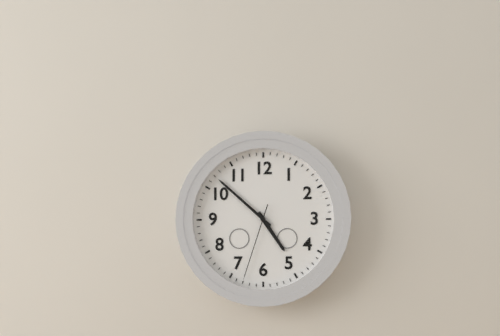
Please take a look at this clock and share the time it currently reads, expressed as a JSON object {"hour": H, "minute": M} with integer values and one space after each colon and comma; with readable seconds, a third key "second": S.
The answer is {"hour": 4, "minute": 52, "second": 33}
